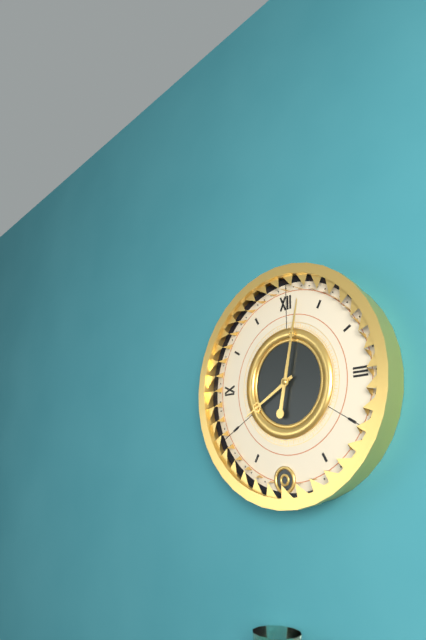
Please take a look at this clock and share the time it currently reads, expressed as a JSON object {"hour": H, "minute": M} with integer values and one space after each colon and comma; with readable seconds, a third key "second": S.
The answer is {"hour": 8, "minute": 2}
